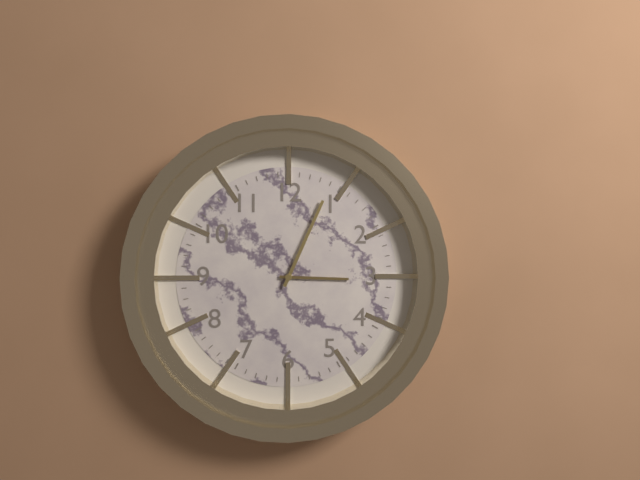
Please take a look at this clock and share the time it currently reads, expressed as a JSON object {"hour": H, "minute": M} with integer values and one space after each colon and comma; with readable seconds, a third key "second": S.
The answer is {"hour": 3, "minute": 4}
